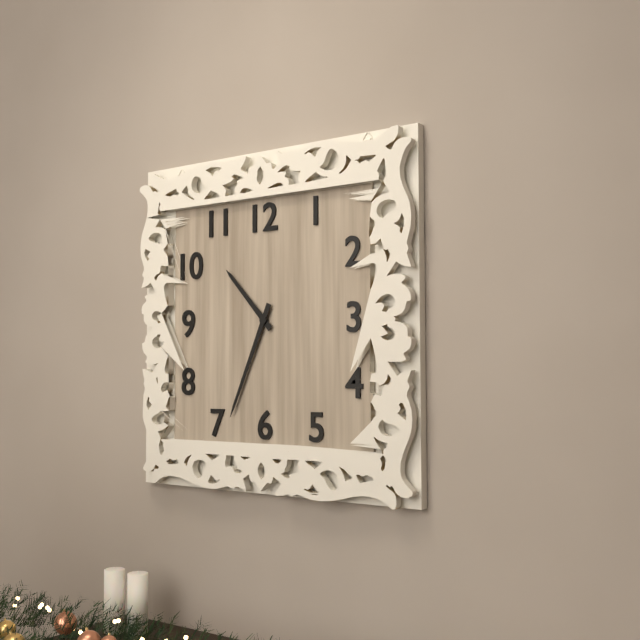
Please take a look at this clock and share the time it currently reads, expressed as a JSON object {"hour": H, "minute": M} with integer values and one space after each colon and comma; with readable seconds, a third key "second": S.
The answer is {"hour": 10, "minute": 34}
